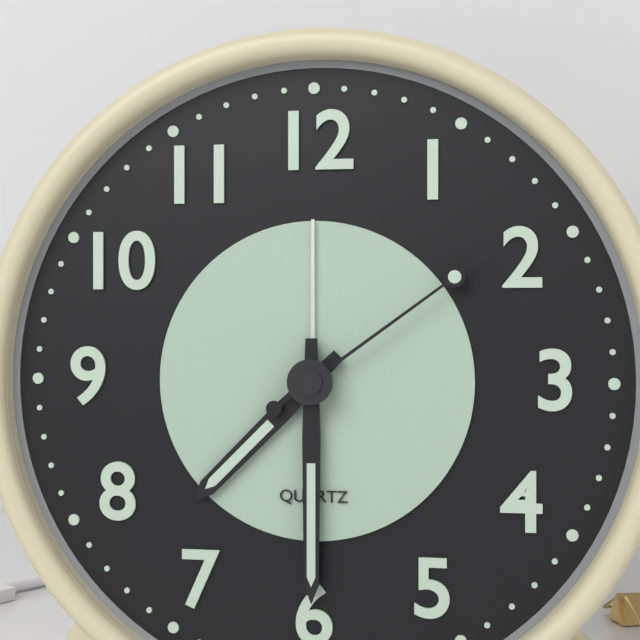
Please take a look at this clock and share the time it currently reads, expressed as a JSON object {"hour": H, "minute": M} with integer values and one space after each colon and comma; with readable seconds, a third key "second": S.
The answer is {"hour": 7, "minute": 30, "second": 9}
